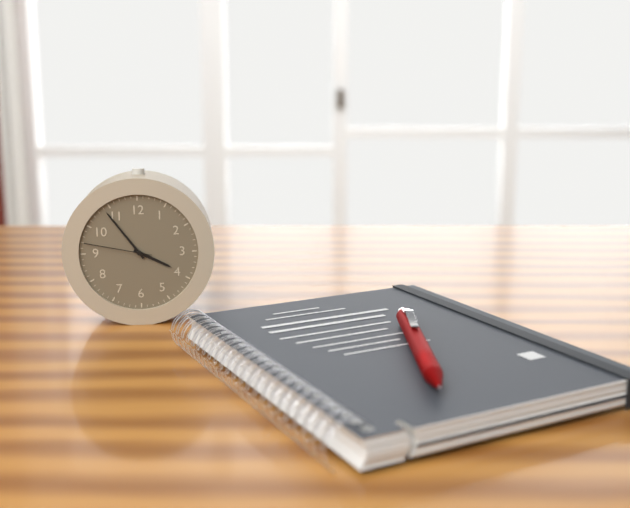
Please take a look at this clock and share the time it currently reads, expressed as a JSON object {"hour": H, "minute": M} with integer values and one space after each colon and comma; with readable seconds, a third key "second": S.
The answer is {"hour": 3, "minute": 54, "second": 47}
